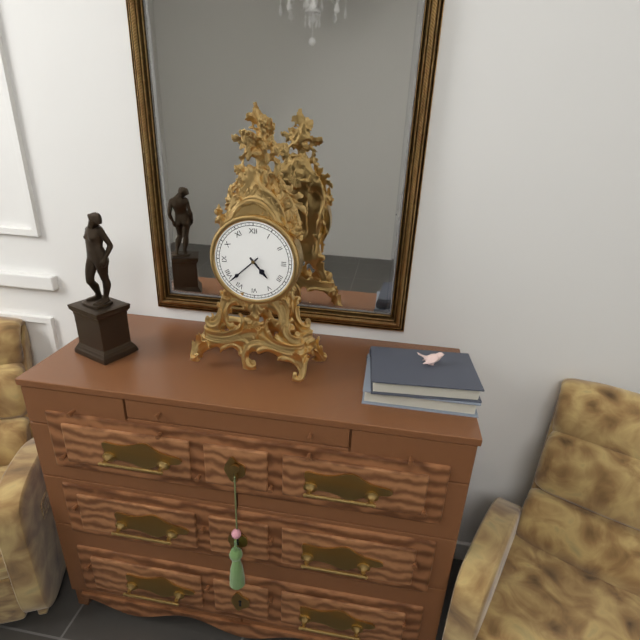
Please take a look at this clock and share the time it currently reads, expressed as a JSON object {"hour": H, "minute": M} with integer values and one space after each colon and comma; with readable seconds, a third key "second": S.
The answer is {"hour": 4, "minute": 38}
